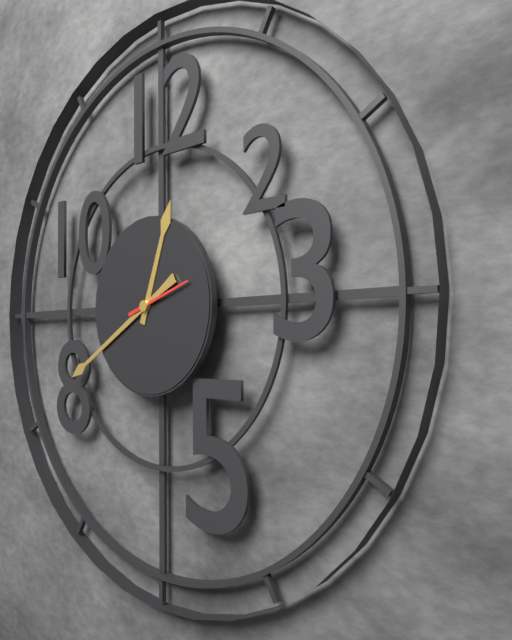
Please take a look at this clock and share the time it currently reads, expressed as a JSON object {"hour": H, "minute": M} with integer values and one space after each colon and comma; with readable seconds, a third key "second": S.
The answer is {"hour": 12, "minute": 40}
